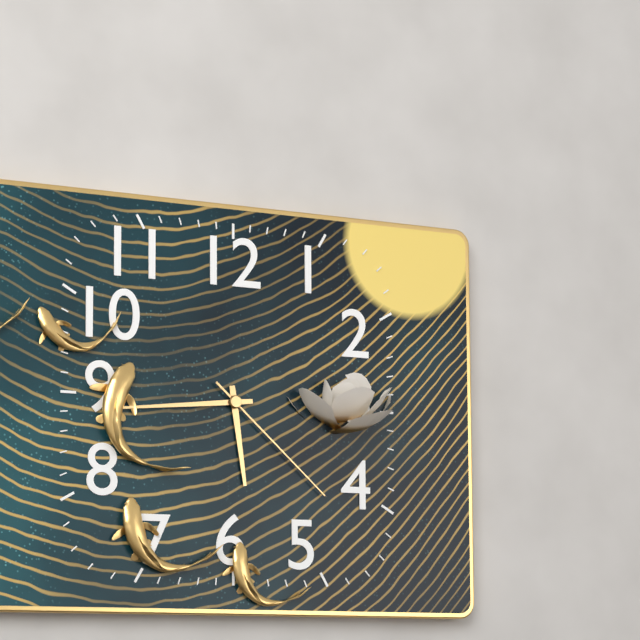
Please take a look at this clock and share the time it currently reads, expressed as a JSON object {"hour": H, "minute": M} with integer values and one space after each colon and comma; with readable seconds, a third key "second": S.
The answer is {"hour": 5, "minute": 44, "second": 22}
